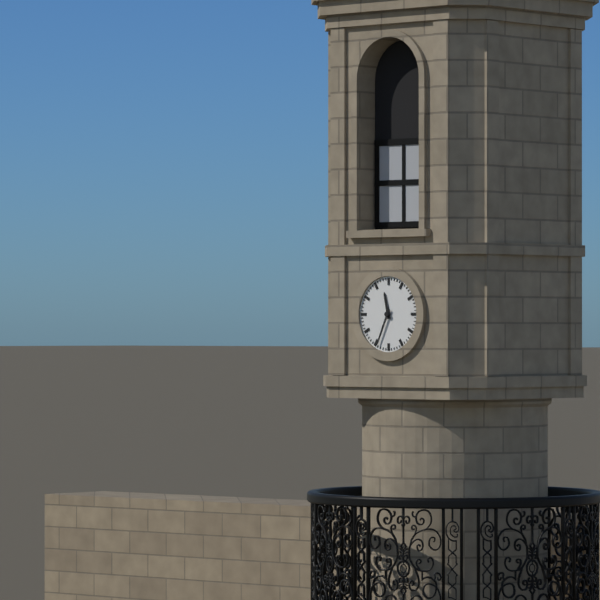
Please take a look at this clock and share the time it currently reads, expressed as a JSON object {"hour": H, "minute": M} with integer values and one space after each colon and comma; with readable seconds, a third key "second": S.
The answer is {"hour": 11, "minute": 34}
